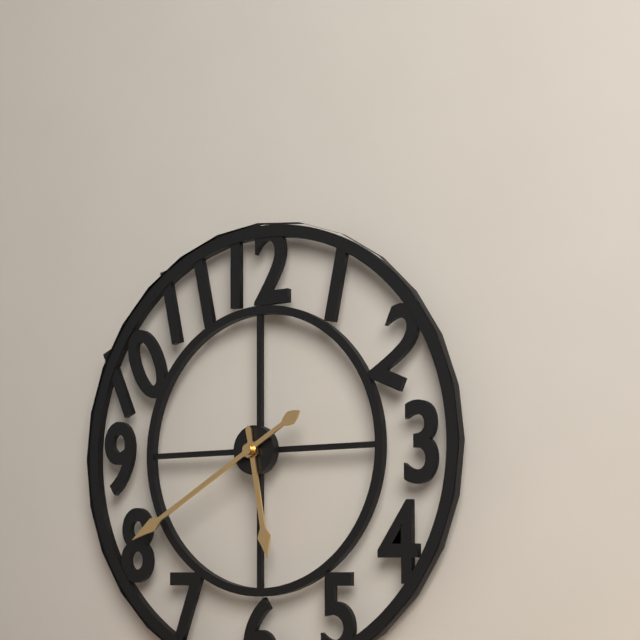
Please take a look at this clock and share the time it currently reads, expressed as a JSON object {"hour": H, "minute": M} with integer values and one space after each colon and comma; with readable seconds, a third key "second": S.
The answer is {"hour": 5, "minute": 40}
